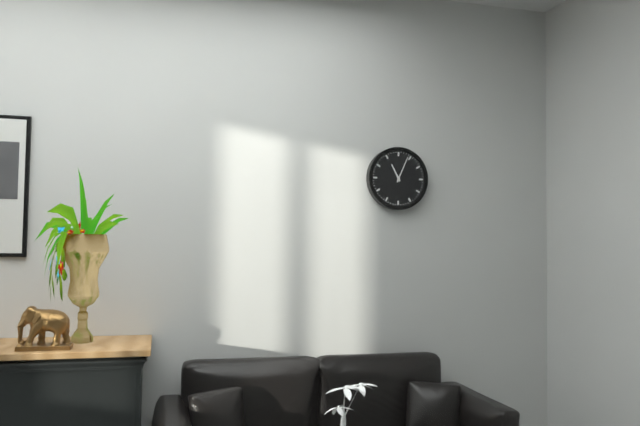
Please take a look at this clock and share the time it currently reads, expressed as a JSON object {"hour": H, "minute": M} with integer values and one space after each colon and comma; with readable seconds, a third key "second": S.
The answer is {"hour": 11, "minute": 4}
